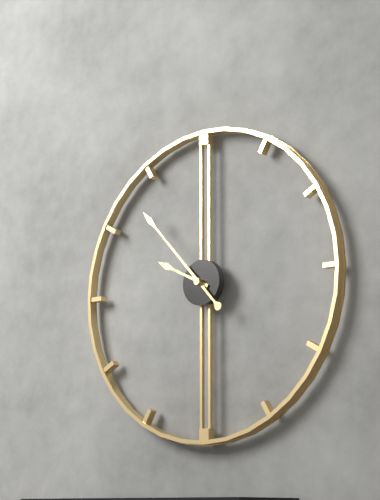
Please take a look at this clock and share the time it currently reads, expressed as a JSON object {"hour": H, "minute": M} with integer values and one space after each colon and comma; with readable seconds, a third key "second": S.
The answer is {"hour": 9, "minute": 53}
